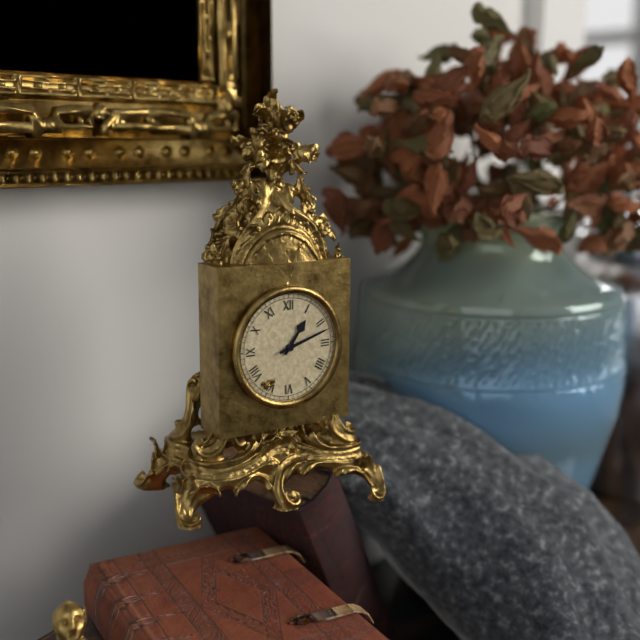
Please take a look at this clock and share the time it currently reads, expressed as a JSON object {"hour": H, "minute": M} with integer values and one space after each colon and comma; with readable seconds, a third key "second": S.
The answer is {"hour": 1, "minute": 12}
